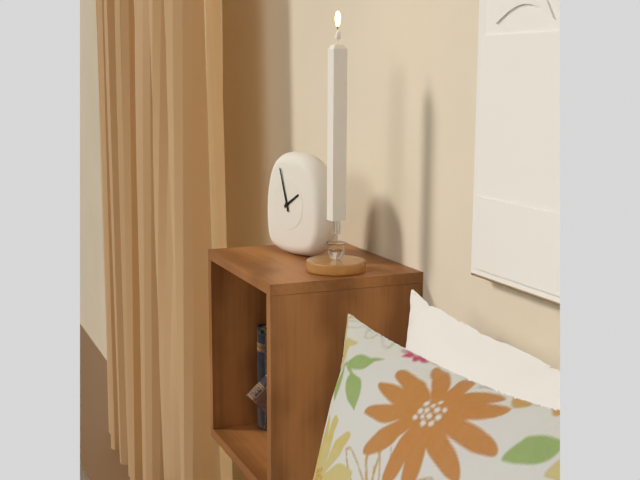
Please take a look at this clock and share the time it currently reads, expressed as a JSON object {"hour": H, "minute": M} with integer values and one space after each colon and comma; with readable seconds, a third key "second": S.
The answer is {"hour": 1, "minute": 57}
